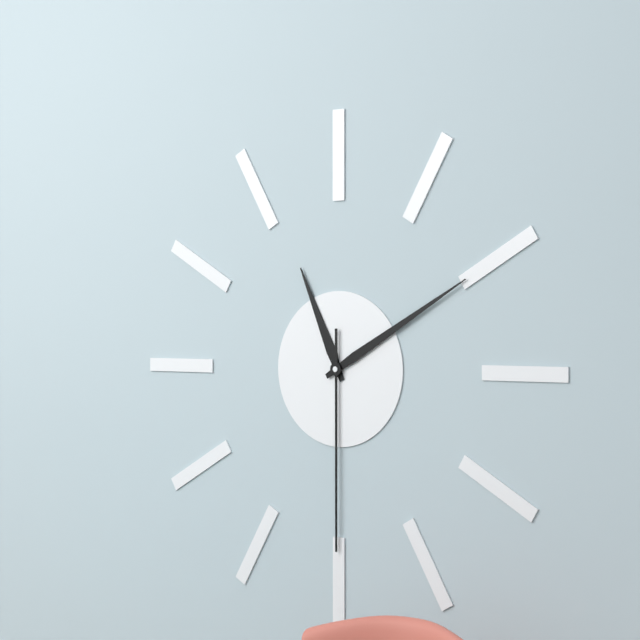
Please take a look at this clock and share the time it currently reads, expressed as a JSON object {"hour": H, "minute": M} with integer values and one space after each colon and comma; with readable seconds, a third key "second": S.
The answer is {"hour": 11, "minute": 10, "second": 30}
